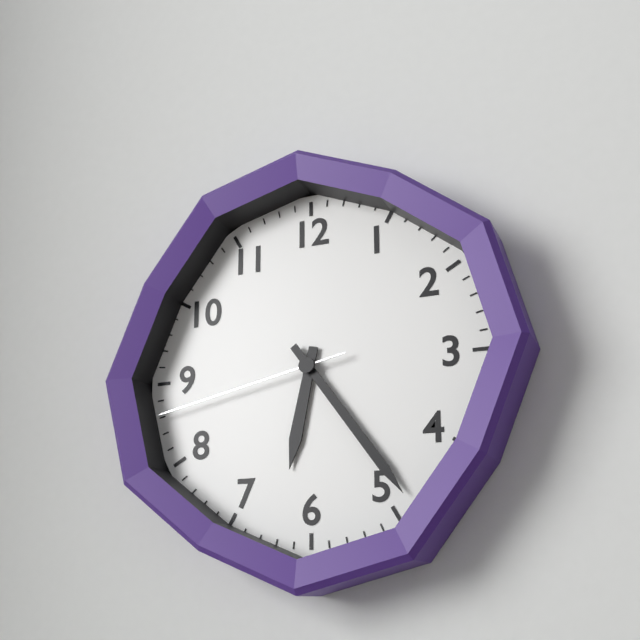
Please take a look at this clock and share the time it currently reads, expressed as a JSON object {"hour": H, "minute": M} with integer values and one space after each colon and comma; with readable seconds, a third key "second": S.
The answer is {"hour": 6, "minute": 24, "second": 43}
